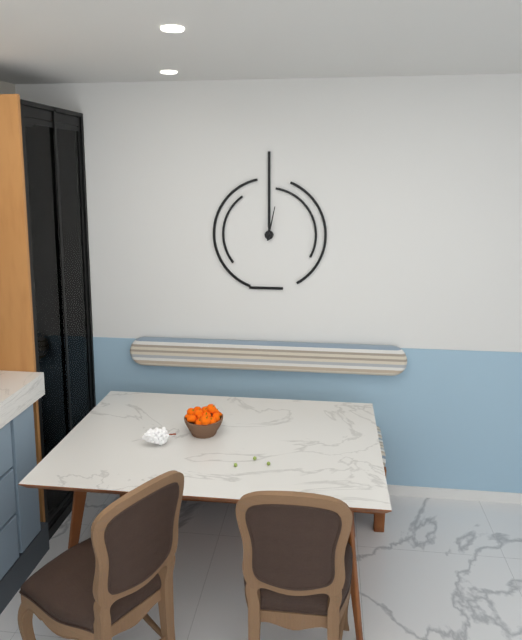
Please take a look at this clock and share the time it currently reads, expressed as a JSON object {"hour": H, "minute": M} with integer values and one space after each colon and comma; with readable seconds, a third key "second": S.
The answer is {"hour": 12, "minute": 2}
